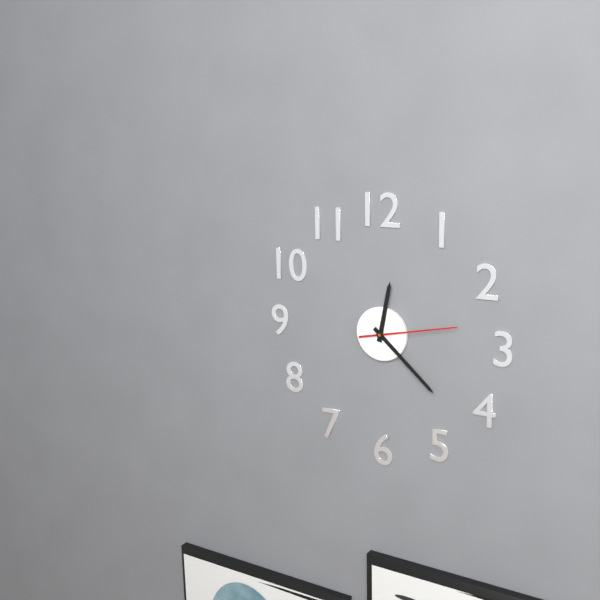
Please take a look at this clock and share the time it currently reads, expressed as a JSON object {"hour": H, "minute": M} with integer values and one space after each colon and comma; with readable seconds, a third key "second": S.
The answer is {"hour": 12, "minute": 22, "second": 13}
